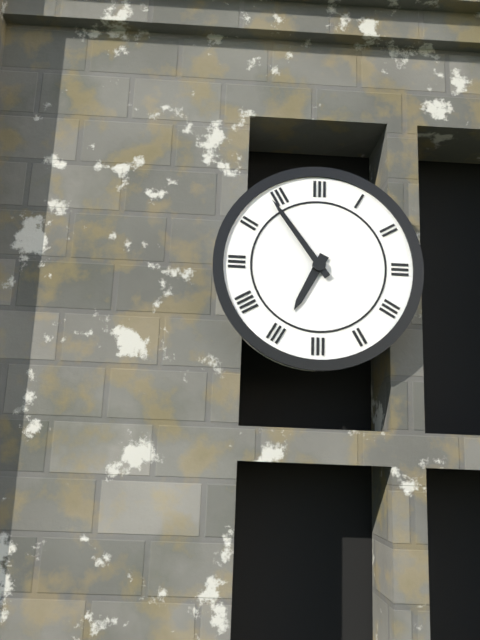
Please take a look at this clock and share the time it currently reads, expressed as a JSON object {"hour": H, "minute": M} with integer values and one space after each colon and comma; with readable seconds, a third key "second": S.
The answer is {"hour": 6, "minute": 54}
